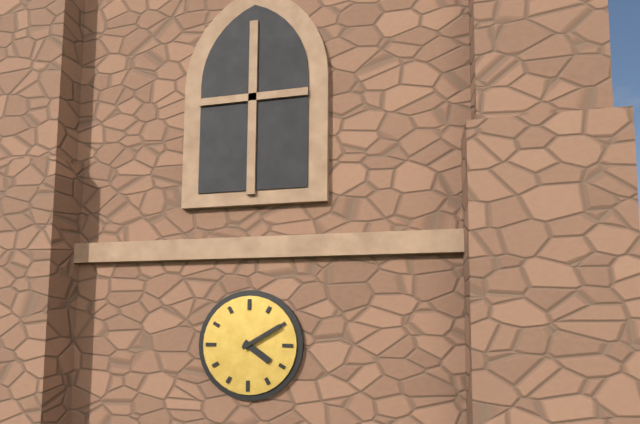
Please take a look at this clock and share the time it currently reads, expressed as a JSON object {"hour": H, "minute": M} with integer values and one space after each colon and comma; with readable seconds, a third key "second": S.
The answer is {"hour": 4, "minute": 10}
